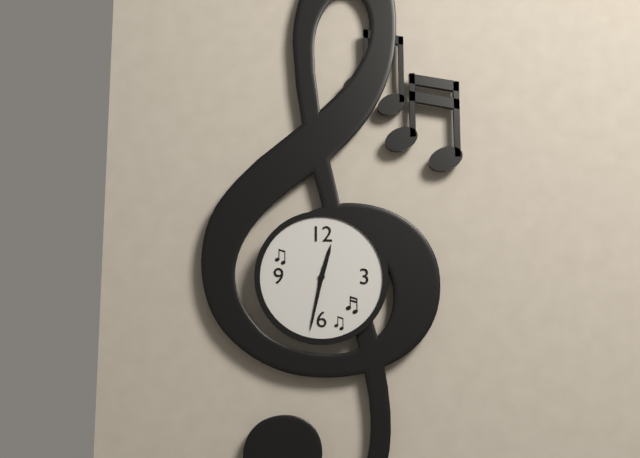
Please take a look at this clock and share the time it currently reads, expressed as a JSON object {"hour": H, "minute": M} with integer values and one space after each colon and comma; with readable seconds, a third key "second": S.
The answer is {"hour": 12, "minute": 32}
